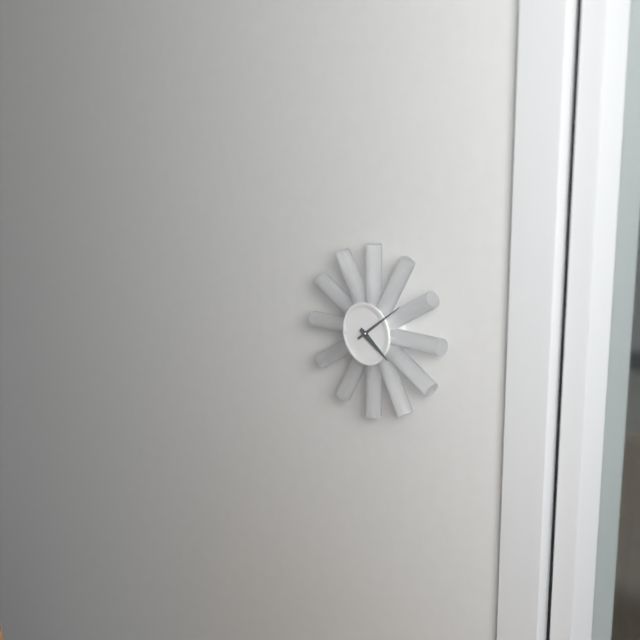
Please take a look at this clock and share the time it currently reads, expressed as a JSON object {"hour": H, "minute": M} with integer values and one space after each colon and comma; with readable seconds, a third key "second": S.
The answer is {"hour": 4, "minute": 9}
